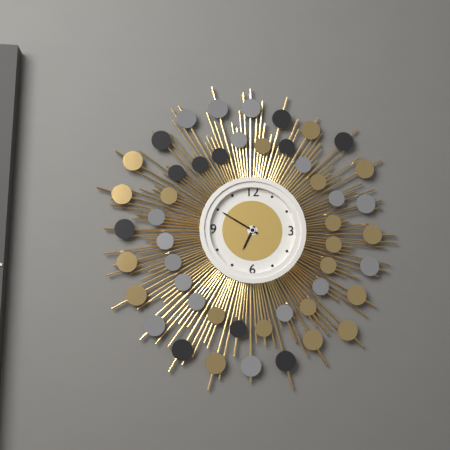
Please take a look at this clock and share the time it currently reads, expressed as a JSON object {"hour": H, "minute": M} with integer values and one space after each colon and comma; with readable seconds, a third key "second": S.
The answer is {"hour": 6, "minute": 50}
